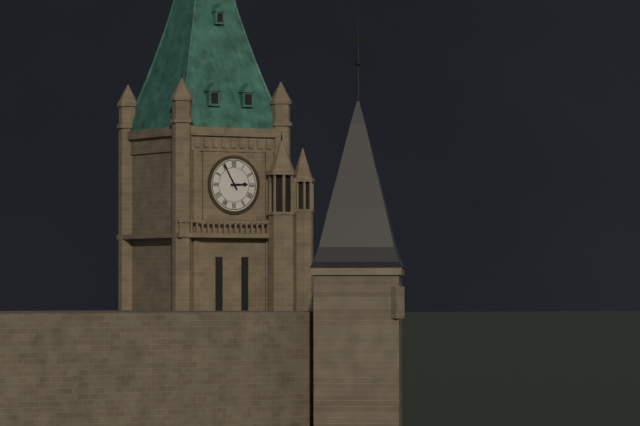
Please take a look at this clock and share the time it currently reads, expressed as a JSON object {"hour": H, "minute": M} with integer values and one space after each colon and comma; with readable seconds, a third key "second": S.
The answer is {"hour": 2, "minute": 55}
